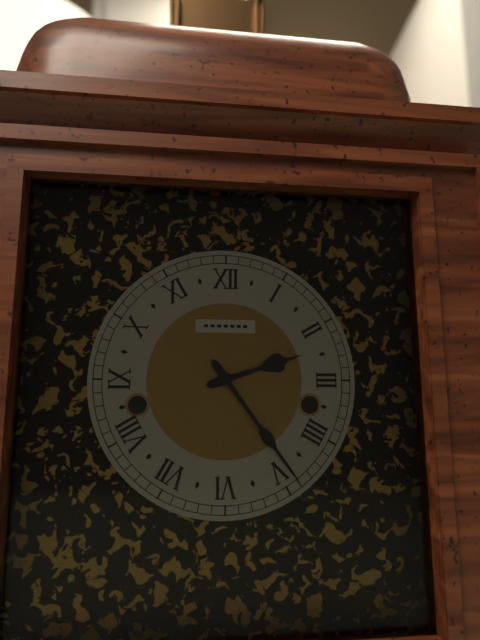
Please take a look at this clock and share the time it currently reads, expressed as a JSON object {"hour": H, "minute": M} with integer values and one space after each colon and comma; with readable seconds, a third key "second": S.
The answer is {"hour": 2, "minute": 24}
